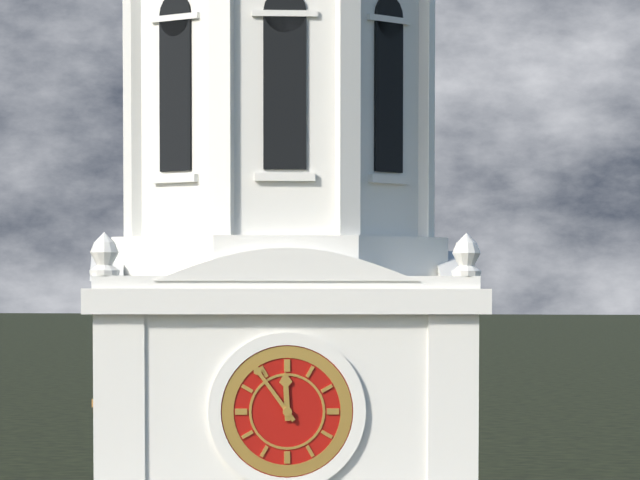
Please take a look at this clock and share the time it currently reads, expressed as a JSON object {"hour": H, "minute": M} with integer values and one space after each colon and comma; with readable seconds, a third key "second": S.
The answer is {"hour": 11, "minute": 54}
